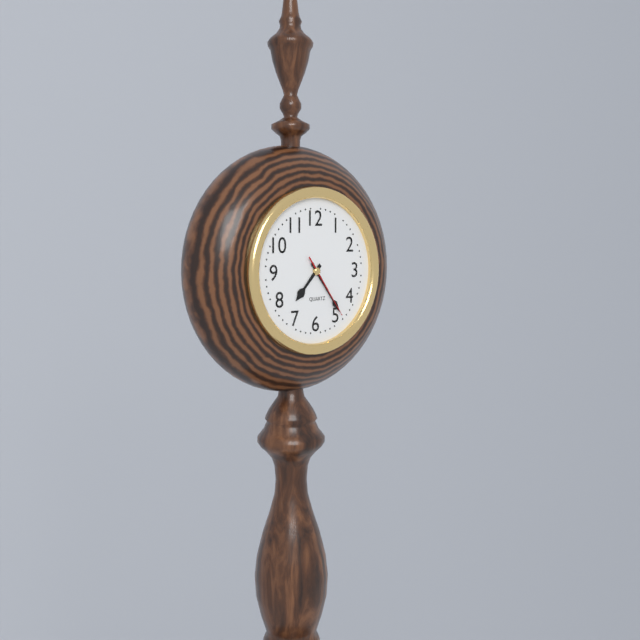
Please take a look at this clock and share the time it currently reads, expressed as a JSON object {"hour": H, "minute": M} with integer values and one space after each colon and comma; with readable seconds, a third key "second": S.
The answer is {"hour": 7, "minute": 24, "second": 24}
